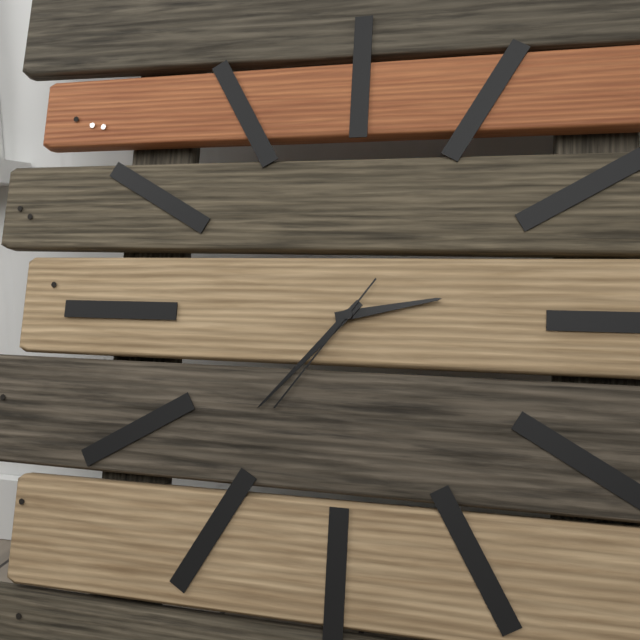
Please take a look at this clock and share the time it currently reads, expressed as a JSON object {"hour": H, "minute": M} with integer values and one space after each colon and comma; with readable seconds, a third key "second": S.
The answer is {"hour": 2, "minute": 37, "second": 36}
